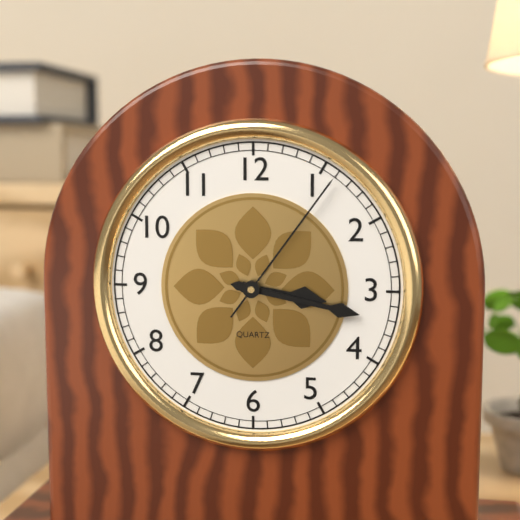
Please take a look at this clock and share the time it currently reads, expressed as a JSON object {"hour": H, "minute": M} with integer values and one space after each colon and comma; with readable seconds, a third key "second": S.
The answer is {"hour": 3, "minute": 17, "second": 6}
